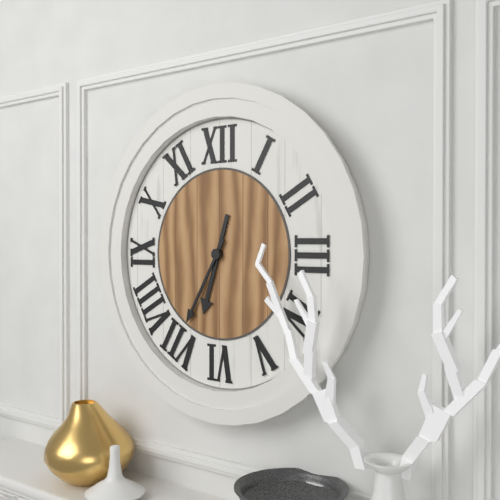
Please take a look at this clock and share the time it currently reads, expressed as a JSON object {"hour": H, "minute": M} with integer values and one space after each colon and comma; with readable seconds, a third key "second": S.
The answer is {"hour": 6, "minute": 35}
